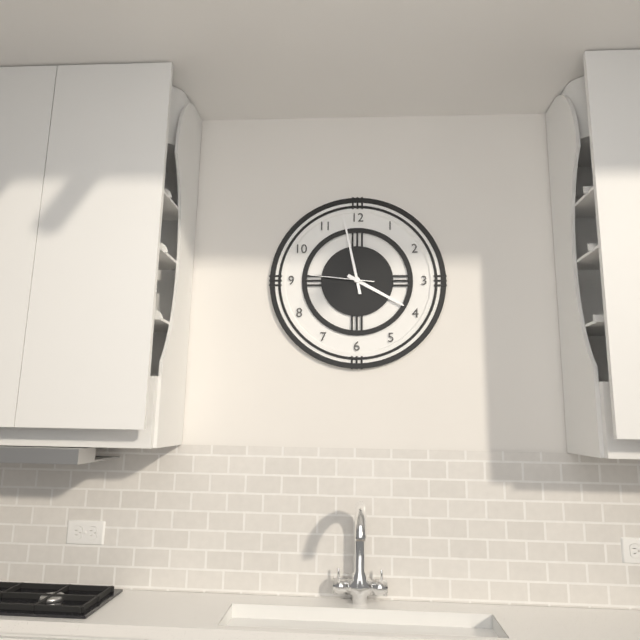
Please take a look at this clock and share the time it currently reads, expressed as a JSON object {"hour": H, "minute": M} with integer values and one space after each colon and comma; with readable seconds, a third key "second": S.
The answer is {"hour": 3, "minute": 58, "second": 46}
